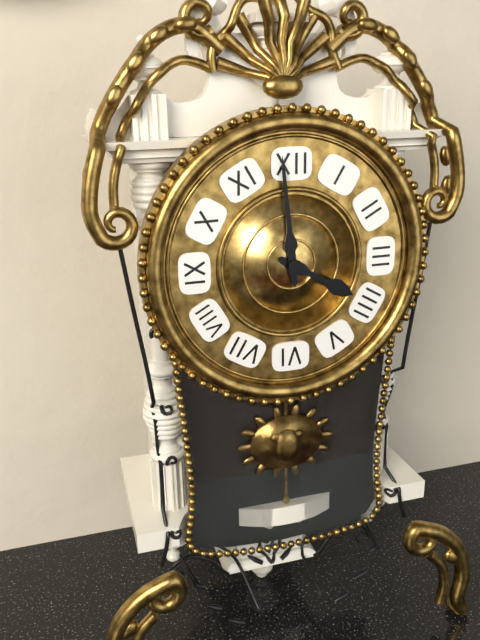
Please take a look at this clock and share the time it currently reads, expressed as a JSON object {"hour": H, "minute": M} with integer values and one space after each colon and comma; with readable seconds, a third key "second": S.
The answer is {"hour": 3, "minute": 59}
